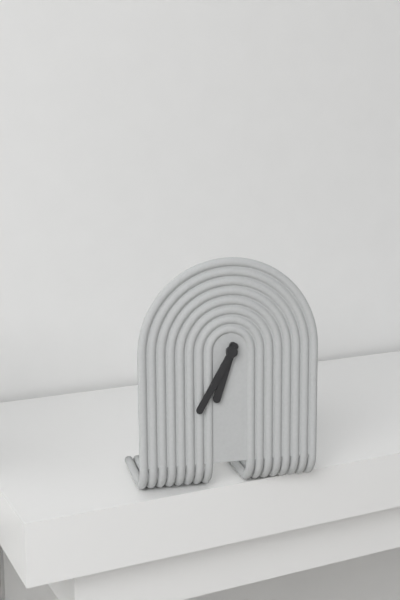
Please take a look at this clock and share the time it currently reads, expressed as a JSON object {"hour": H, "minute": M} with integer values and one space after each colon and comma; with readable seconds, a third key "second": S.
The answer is {"hour": 6, "minute": 35}
